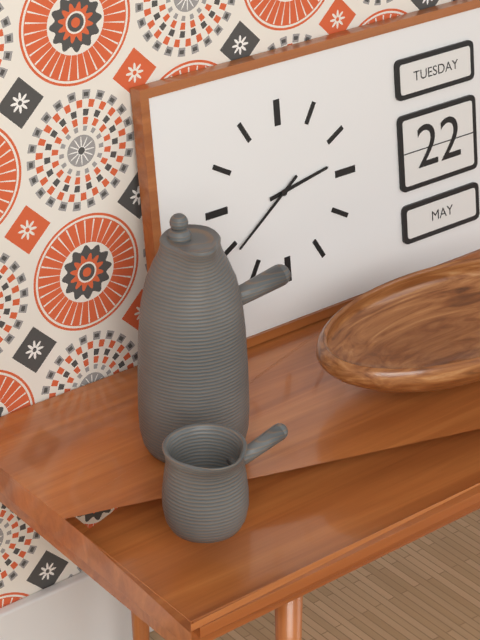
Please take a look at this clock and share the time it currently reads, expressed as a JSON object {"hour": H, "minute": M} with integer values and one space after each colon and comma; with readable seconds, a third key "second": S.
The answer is {"hour": 2, "minute": 39}
